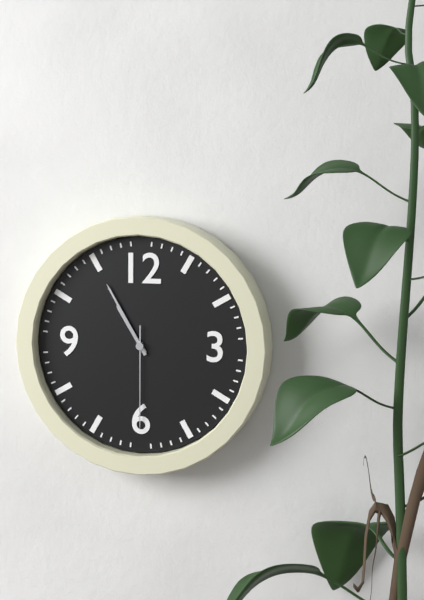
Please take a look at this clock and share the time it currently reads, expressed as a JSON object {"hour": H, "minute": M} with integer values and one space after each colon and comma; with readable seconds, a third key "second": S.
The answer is {"hour": 10, "minute": 55, "second": 30}
